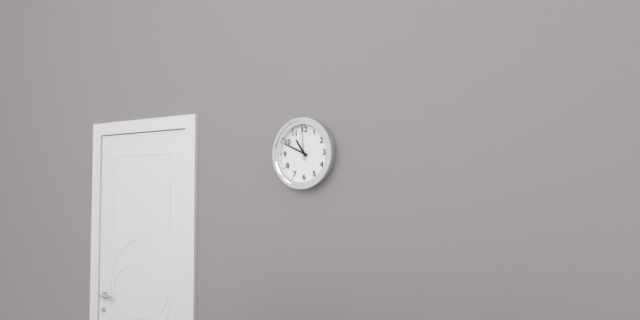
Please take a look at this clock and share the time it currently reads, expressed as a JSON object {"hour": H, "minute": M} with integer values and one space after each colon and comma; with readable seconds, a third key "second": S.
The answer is {"hour": 10, "minute": 49}
